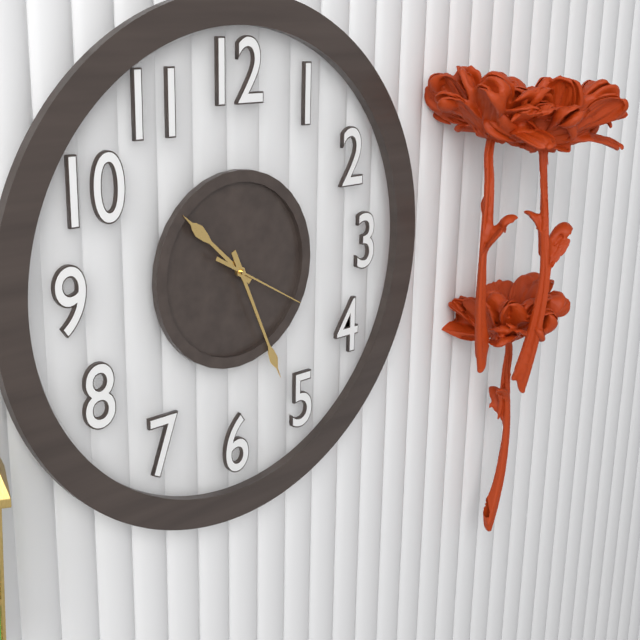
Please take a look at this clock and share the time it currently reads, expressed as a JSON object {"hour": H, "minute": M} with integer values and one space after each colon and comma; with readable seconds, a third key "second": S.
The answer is {"hour": 10, "minute": 26, "second": 20}
